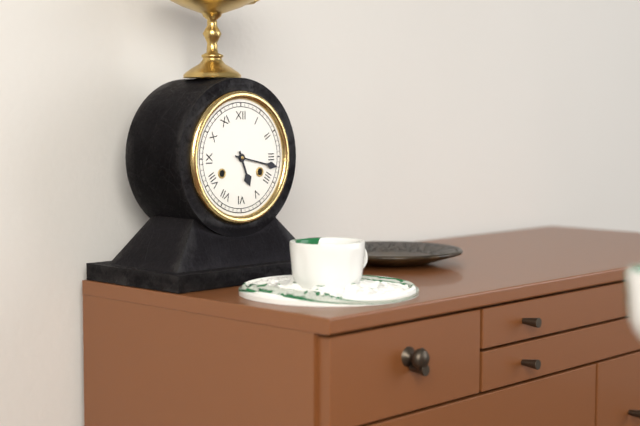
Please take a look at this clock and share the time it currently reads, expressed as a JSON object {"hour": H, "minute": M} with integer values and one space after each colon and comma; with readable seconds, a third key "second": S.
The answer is {"hour": 5, "minute": 17}
